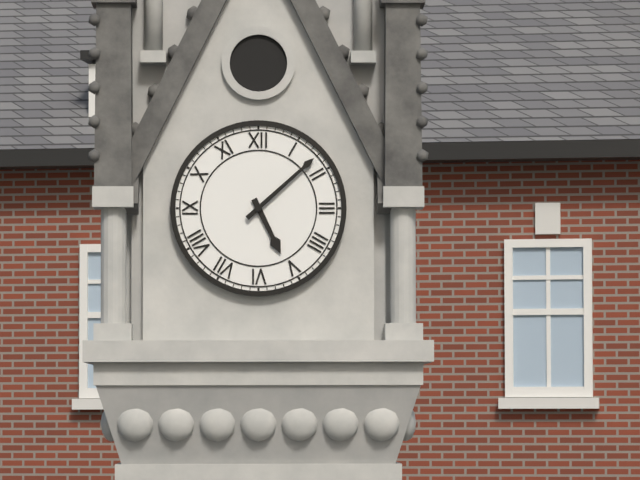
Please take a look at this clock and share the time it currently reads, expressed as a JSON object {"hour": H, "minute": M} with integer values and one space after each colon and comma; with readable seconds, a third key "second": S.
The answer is {"hour": 5, "minute": 8}
